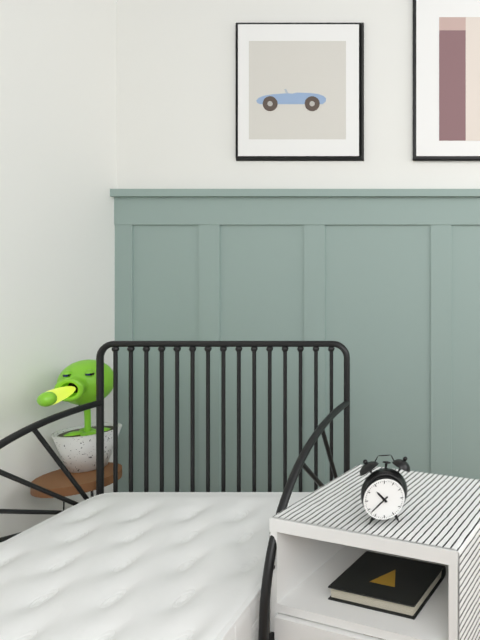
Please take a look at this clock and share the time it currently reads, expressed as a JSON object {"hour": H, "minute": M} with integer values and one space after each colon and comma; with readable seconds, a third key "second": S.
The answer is {"hour": 10, "minute": 38}
